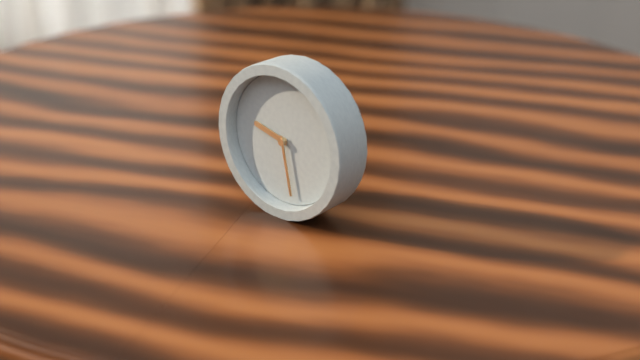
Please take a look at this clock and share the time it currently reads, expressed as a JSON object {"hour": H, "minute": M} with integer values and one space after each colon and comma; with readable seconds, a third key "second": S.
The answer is {"hour": 9, "minute": 28}
